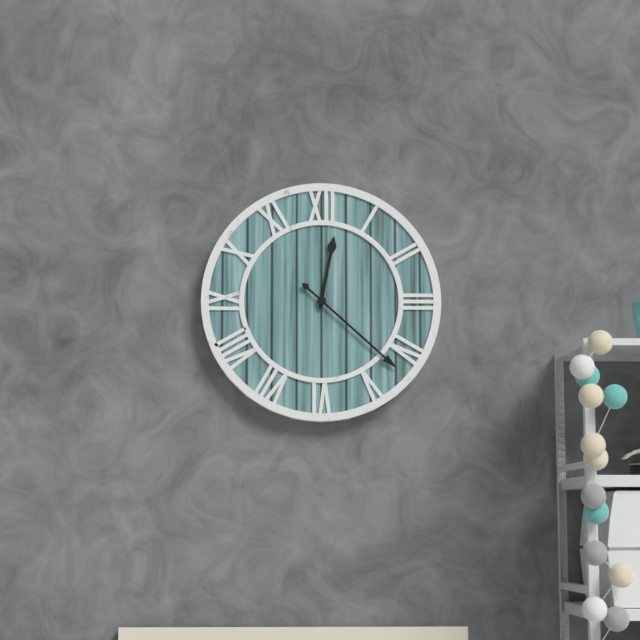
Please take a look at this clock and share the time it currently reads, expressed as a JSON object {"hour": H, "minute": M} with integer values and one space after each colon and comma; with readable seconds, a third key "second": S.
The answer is {"hour": 12, "minute": 22}
